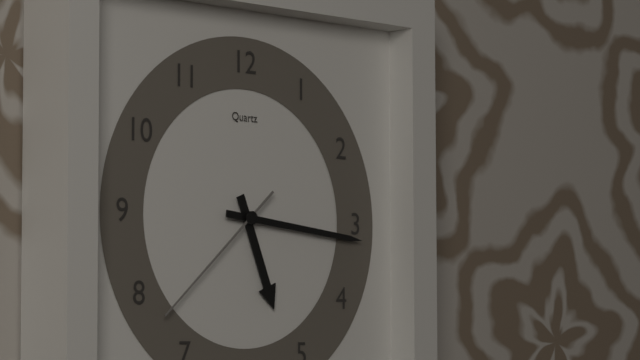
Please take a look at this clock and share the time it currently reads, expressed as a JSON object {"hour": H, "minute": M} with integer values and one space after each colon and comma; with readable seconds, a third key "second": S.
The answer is {"hour": 5, "minute": 16, "second": 38}
